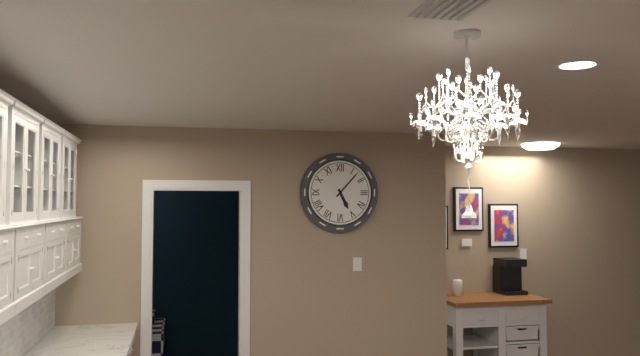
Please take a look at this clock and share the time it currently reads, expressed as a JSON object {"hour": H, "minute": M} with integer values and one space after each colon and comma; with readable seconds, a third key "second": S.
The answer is {"hour": 5, "minute": 7}
